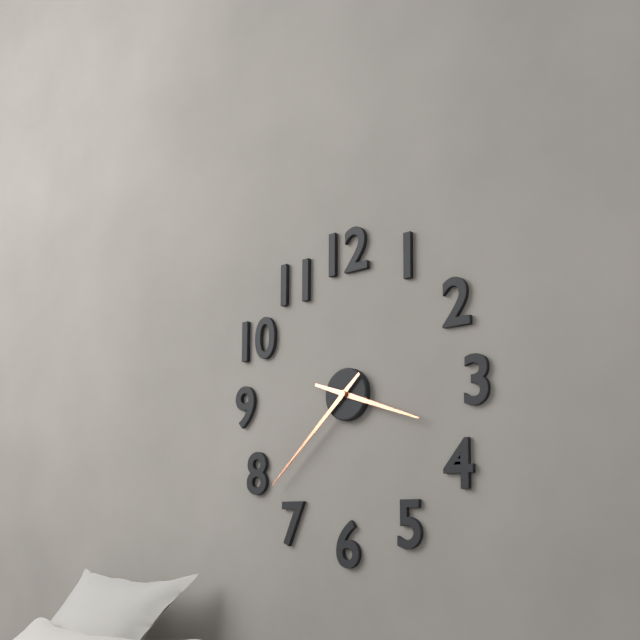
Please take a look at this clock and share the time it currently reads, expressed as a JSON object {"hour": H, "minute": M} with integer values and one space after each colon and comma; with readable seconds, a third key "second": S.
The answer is {"hour": 3, "minute": 38}
